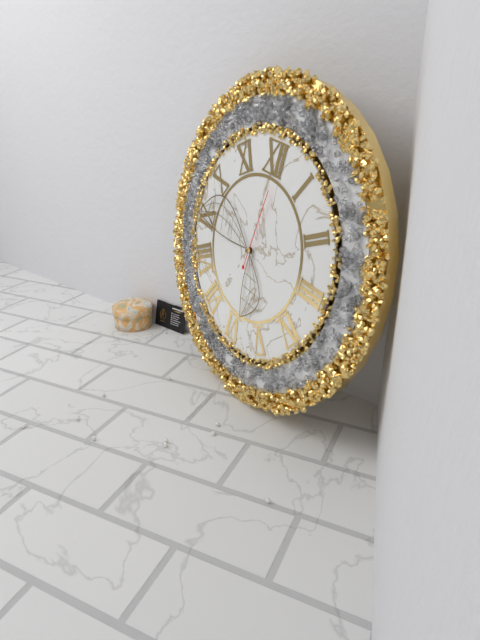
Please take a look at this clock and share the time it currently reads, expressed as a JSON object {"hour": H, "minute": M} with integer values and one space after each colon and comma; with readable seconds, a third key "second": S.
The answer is {"hour": 5, "minute": 45, "second": 1}
